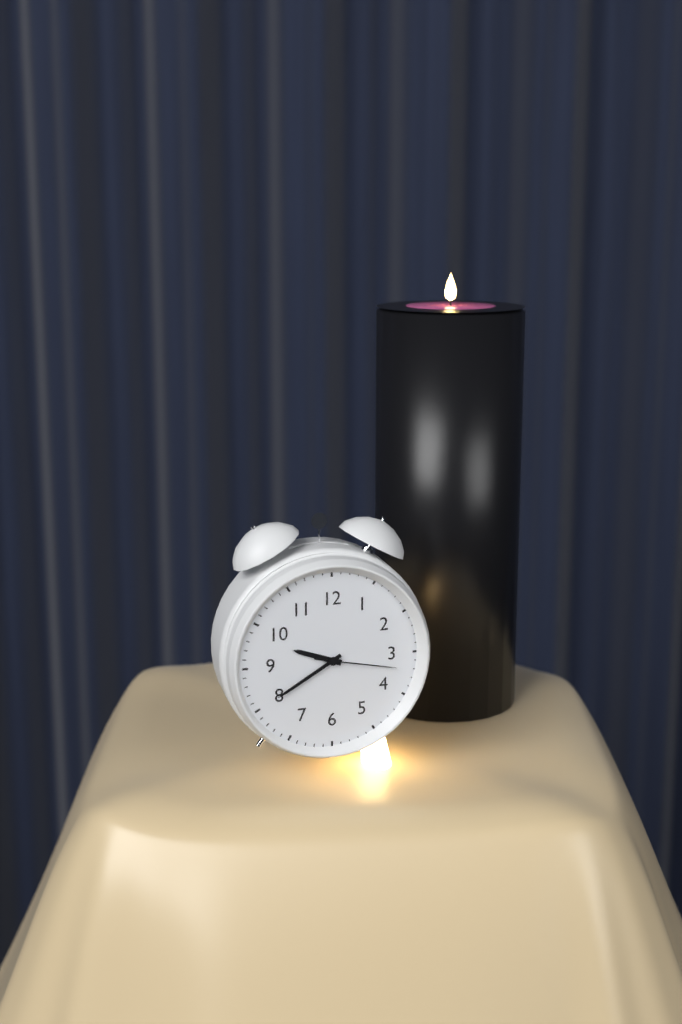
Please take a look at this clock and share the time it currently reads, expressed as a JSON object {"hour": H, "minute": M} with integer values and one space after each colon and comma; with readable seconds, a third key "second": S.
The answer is {"hour": 9, "minute": 40, "second": 17}
